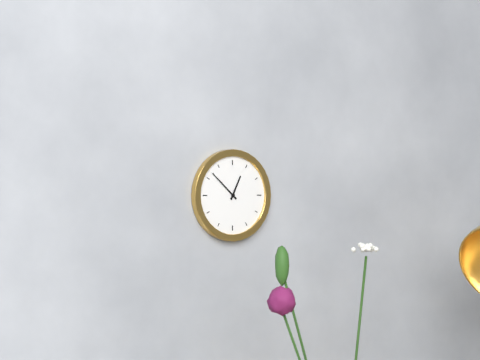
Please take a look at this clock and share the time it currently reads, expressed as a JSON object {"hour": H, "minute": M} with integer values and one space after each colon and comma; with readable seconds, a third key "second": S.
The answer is {"hour": 12, "minute": 52}
